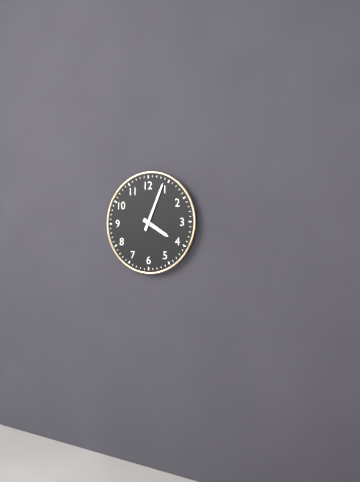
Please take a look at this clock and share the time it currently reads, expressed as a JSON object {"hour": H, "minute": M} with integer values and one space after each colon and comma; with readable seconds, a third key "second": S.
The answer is {"hour": 4, "minute": 4}
